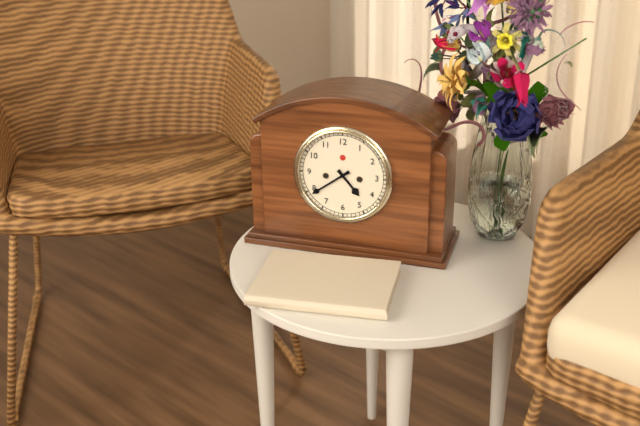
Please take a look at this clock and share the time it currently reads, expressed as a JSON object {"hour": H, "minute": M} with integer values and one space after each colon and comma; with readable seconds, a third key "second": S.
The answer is {"hour": 4, "minute": 39}
